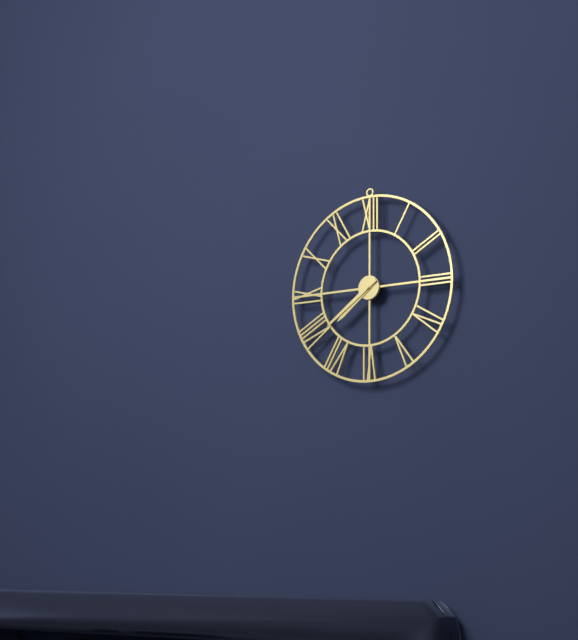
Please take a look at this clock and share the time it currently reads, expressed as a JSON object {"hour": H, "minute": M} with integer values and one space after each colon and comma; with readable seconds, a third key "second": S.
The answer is {"hour": 7, "minute": 39}
